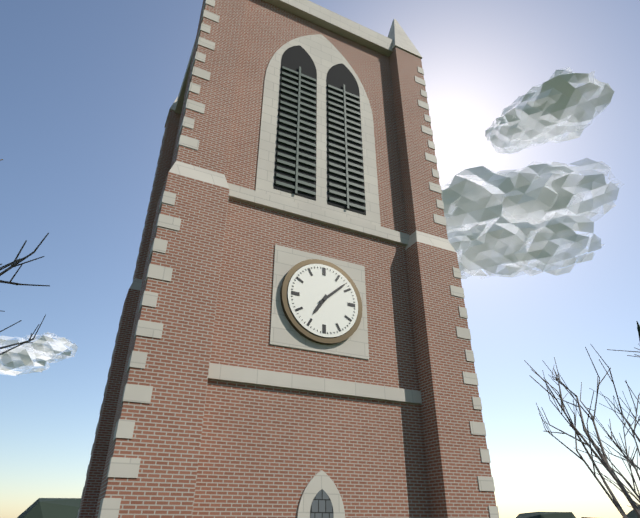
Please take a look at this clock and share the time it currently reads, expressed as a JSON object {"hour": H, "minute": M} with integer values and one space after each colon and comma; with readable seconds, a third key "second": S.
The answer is {"hour": 7, "minute": 8}
